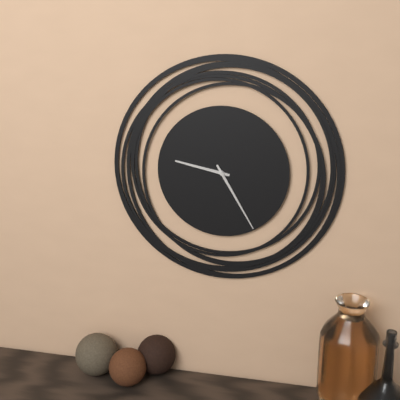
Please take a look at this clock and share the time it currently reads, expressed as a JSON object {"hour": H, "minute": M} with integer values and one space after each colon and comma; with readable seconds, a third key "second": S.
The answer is {"hour": 9, "minute": 25}
